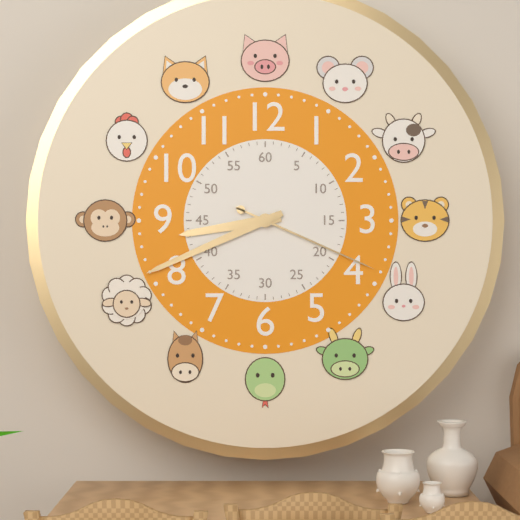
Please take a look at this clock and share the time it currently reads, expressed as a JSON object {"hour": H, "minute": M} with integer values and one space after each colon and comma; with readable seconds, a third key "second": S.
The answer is {"hour": 8, "minute": 41, "second": 19}
